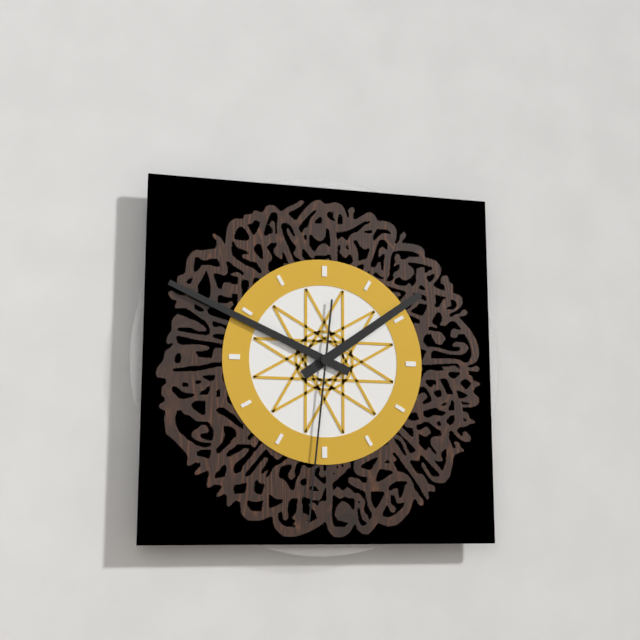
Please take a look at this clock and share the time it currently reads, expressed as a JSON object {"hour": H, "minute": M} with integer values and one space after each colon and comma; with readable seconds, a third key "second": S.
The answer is {"hour": 1, "minute": 49, "second": 31}
